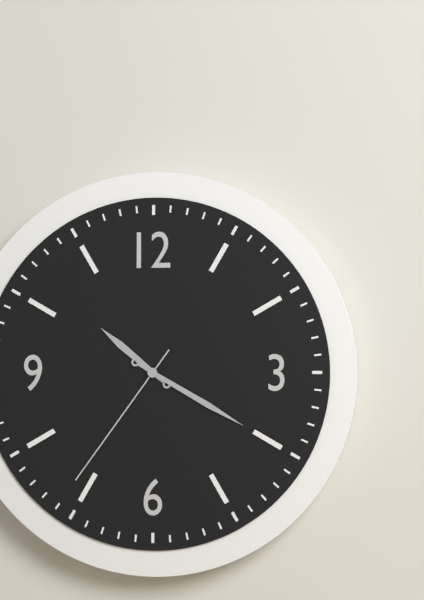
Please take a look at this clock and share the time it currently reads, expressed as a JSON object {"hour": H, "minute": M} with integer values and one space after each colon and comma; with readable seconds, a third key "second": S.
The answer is {"hour": 10, "minute": 20, "second": 36}
